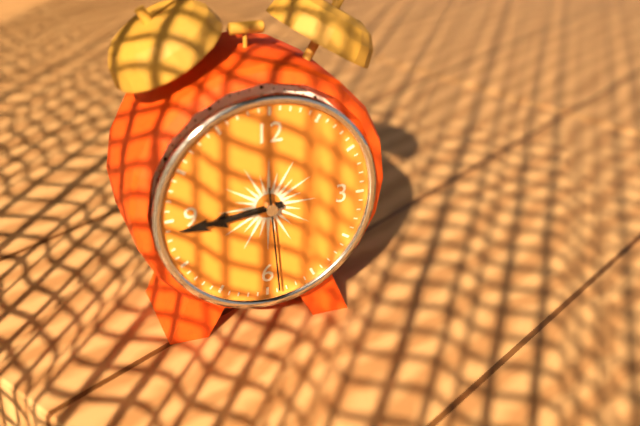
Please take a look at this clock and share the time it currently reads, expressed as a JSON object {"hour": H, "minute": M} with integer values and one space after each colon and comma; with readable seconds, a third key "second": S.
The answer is {"hour": 8, "minute": 44, "second": 29}
